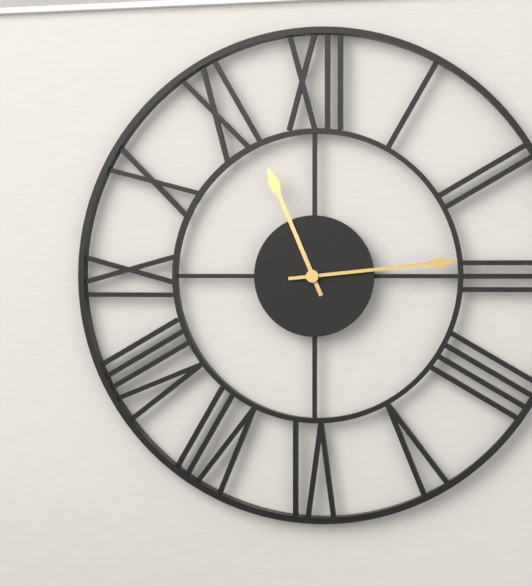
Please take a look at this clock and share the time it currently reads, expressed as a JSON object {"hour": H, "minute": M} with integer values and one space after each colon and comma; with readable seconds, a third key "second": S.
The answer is {"hour": 11, "minute": 14}
